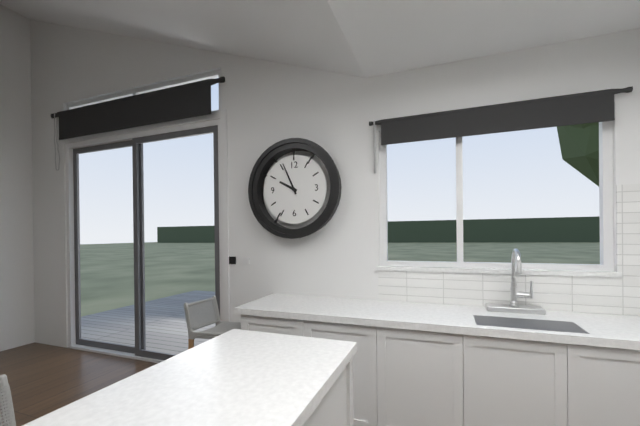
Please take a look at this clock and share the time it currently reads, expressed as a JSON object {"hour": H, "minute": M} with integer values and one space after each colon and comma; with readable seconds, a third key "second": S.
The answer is {"hour": 9, "minute": 56}
